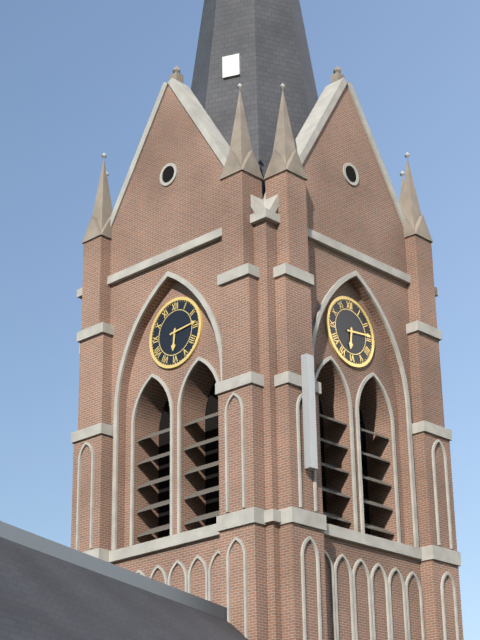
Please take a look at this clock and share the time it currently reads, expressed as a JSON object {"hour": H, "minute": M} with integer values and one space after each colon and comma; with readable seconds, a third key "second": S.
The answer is {"hour": 6, "minute": 14}
